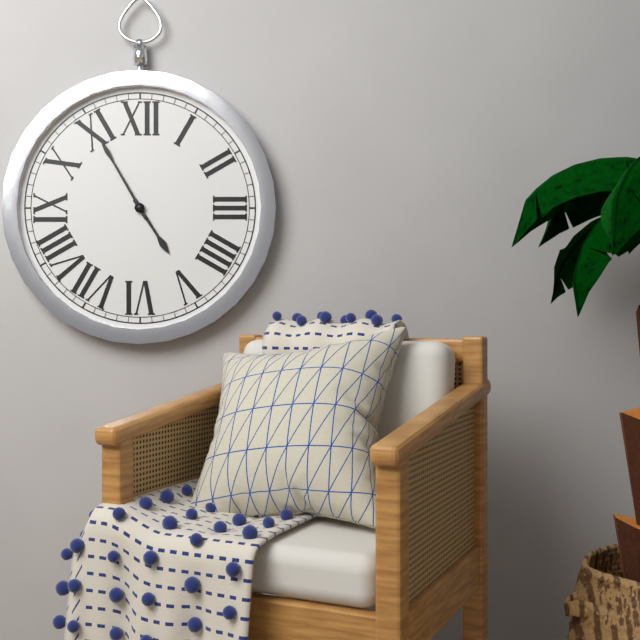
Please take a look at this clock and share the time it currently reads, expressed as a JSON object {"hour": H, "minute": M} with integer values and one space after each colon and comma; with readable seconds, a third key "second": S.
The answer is {"hour": 4, "minute": 55}
